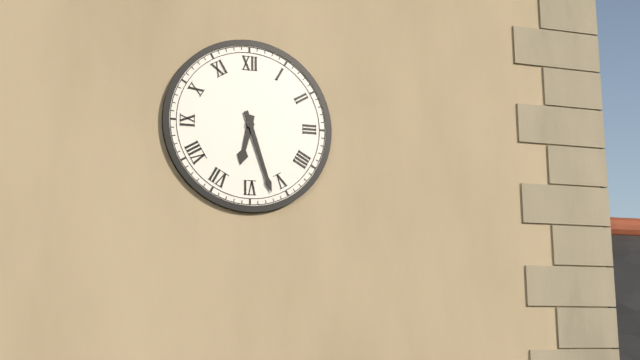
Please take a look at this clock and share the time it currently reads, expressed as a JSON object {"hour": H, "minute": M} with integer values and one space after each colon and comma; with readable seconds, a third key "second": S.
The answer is {"hour": 6, "minute": 27}
